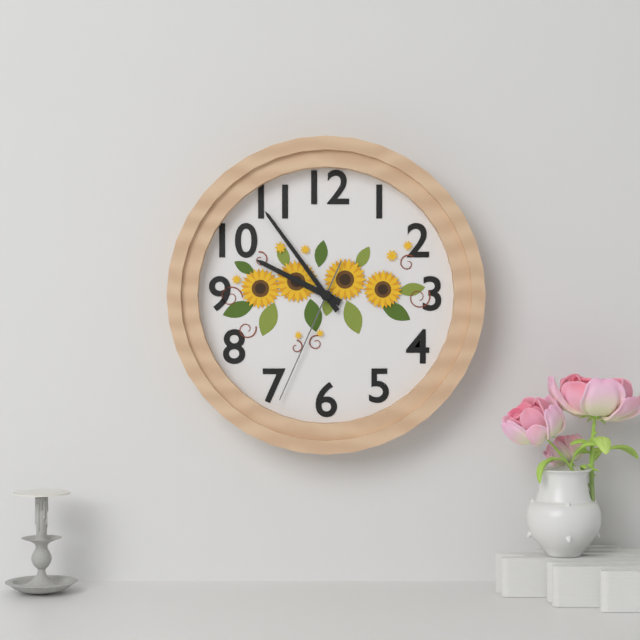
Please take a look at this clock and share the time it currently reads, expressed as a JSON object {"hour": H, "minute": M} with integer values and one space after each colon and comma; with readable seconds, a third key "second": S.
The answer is {"hour": 9, "minute": 54, "second": 34}
